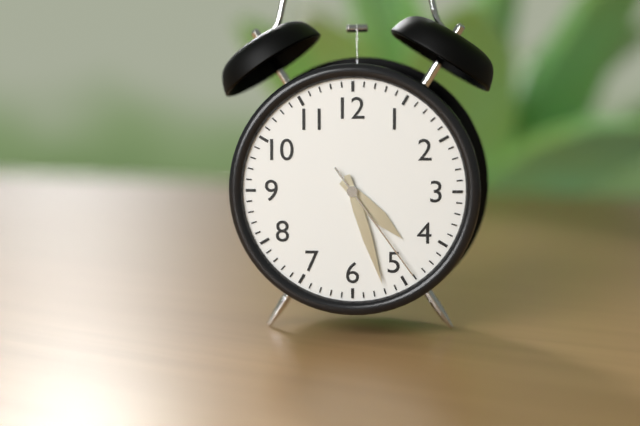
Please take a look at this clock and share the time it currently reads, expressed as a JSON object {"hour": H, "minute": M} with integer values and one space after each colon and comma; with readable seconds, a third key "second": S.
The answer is {"hour": 4, "minute": 27, "second": 24}
